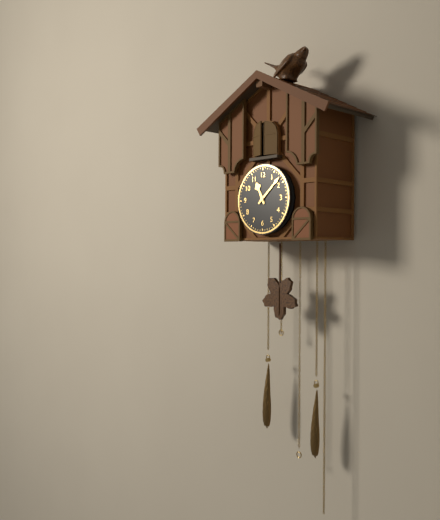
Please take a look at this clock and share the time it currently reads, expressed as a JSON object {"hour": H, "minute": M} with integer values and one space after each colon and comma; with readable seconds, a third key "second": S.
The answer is {"hour": 11, "minute": 8}
